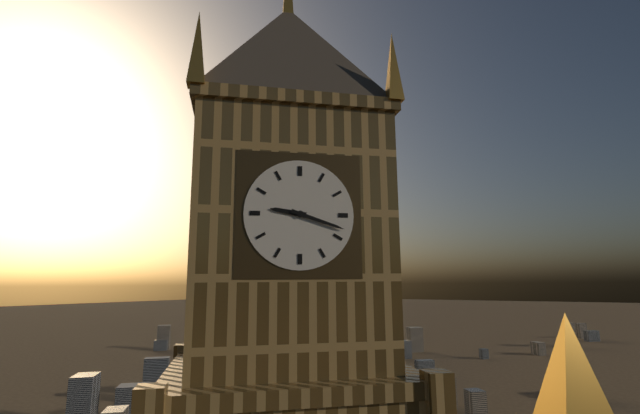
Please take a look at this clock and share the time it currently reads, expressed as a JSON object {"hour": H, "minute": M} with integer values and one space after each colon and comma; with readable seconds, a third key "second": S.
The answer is {"hour": 9, "minute": 18}
